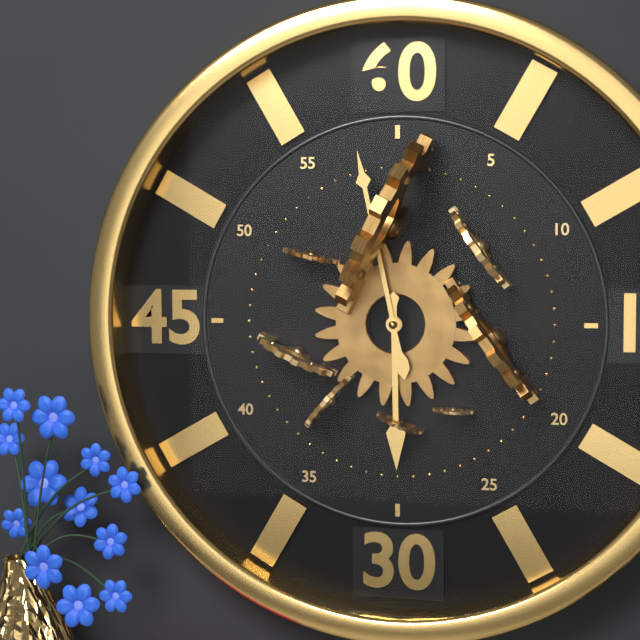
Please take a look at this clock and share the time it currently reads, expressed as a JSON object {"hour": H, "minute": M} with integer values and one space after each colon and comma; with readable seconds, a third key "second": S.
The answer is {"hour": 5, "minute": 58}
